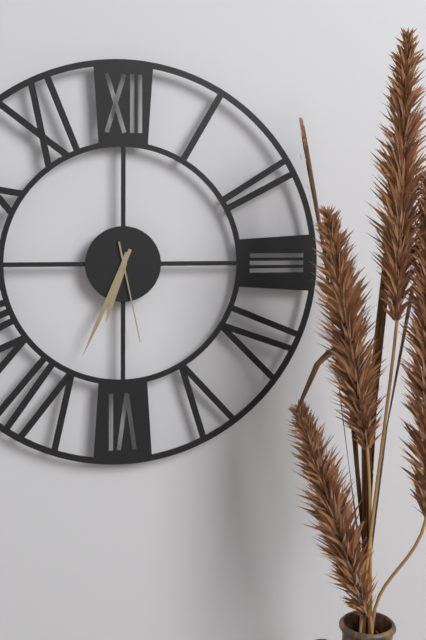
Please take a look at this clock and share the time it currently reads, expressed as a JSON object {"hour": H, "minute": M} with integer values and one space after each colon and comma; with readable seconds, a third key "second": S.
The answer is {"hour": 6, "minute": 34, "second": 28}
